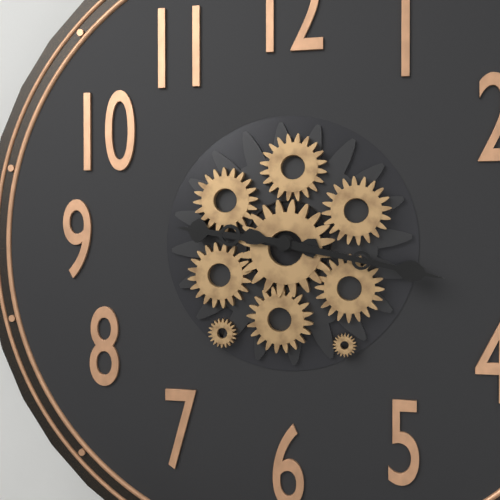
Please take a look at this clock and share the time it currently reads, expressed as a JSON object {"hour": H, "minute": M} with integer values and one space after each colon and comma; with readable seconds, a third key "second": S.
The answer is {"hour": 9, "minute": 17}
